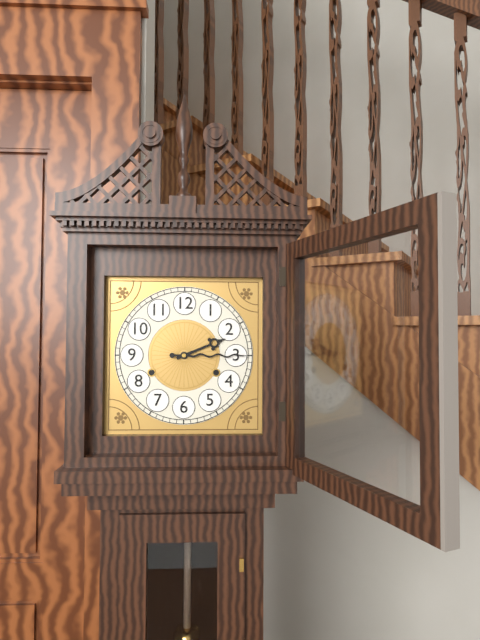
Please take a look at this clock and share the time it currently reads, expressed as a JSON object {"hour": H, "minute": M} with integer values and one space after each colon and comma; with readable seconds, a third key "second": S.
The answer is {"hour": 2, "minute": 15}
